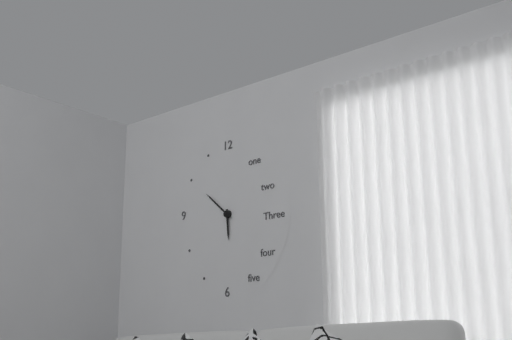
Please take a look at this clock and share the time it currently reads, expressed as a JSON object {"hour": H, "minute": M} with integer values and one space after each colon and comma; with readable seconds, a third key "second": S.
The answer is {"hour": 5, "minute": 52}
